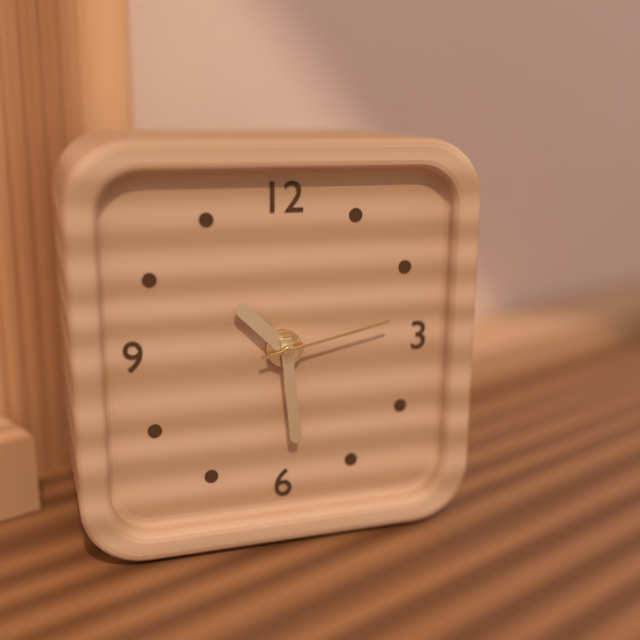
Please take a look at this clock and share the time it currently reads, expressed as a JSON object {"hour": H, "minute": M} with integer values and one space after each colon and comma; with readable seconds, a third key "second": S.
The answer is {"hour": 10, "minute": 29, "second": 13}
